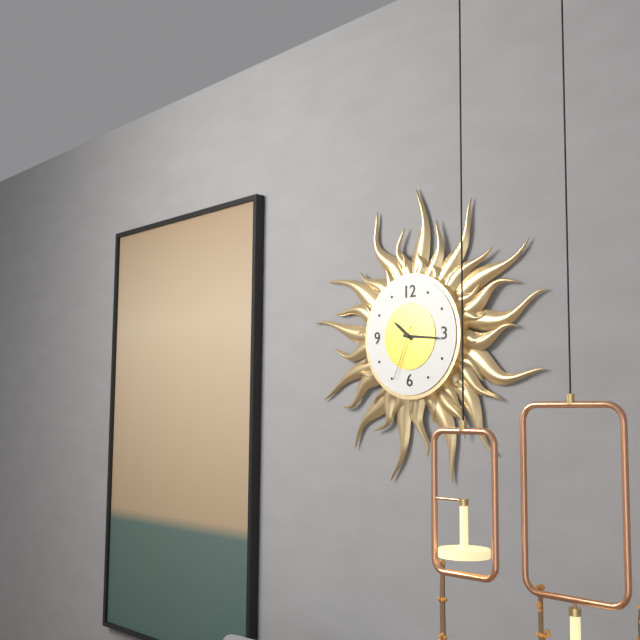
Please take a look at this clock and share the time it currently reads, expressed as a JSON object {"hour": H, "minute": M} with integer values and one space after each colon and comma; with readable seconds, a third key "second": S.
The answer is {"hour": 10, "minute": 16, "second": 34}
